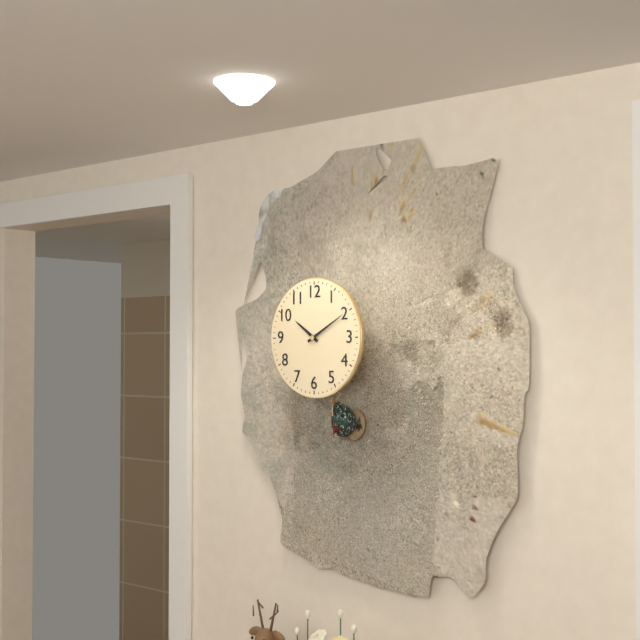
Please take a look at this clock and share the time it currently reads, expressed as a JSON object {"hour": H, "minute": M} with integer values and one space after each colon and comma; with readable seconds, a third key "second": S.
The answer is {"hour": 10, "minute": 10}
